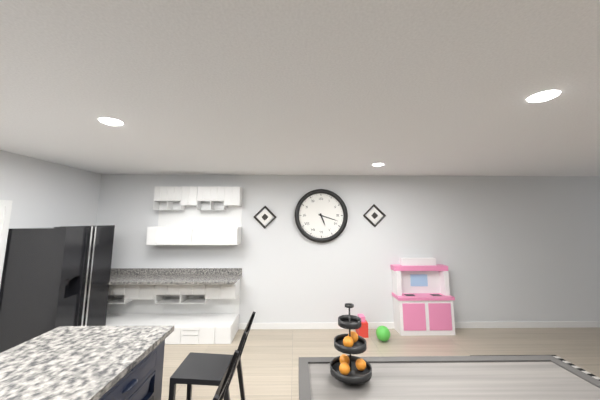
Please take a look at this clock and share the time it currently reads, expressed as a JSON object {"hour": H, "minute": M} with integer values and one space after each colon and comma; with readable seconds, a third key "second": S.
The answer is {"hour": 5, "minute": 18}
